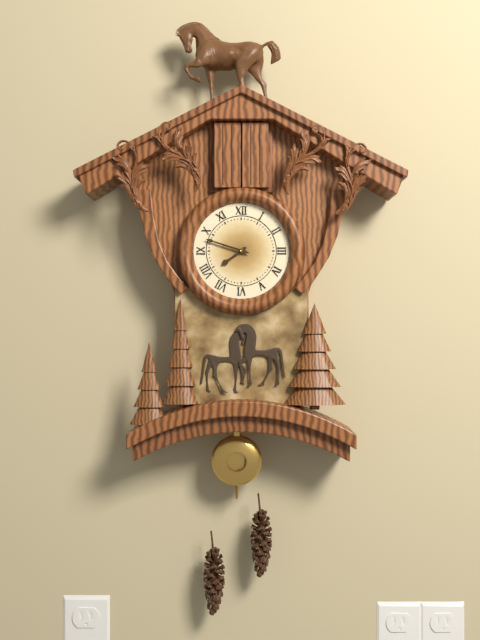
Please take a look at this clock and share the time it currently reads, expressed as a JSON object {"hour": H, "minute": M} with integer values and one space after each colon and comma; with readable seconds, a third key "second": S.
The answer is {"hour": 7, "minute": 48}
